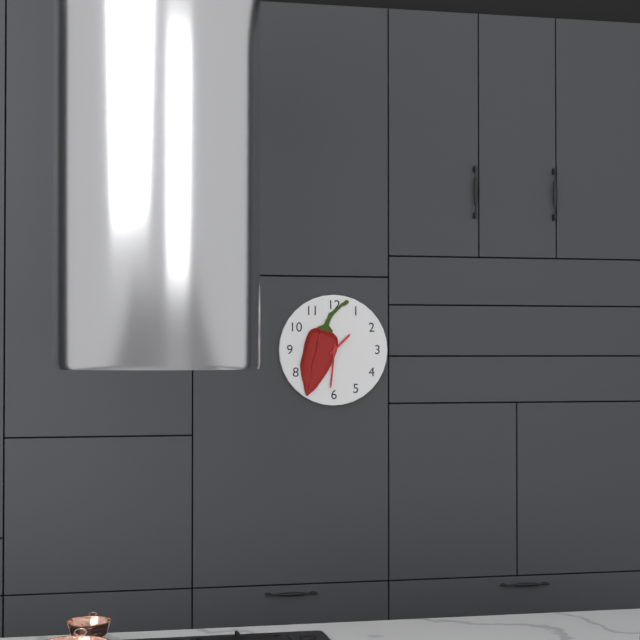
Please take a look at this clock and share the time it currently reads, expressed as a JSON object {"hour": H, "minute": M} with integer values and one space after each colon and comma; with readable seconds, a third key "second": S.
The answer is {"hour": 1, "minute": 31}
